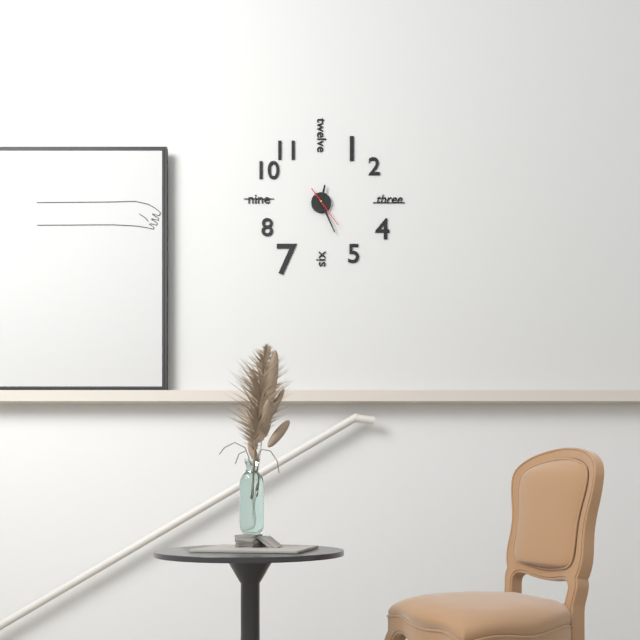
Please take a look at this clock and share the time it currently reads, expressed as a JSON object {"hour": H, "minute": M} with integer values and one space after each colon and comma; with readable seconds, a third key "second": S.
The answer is {"hour": 12, "minute": 26}
